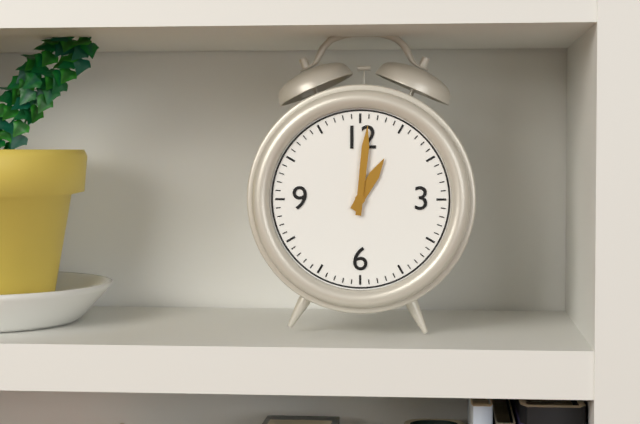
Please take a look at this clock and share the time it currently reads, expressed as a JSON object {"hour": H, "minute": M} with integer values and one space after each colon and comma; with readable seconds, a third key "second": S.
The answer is {"hour": 1, "minute": 1}
